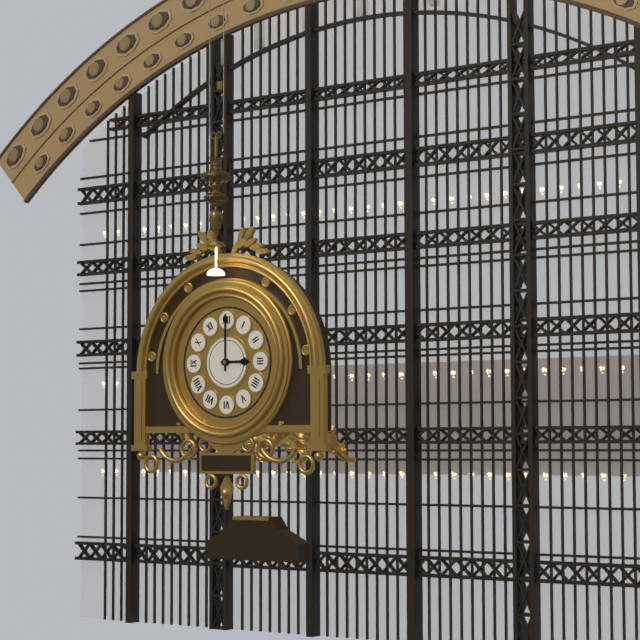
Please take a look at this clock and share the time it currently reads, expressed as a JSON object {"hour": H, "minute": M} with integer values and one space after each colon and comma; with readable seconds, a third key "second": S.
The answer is {"hour": 3, "minute": 0}
